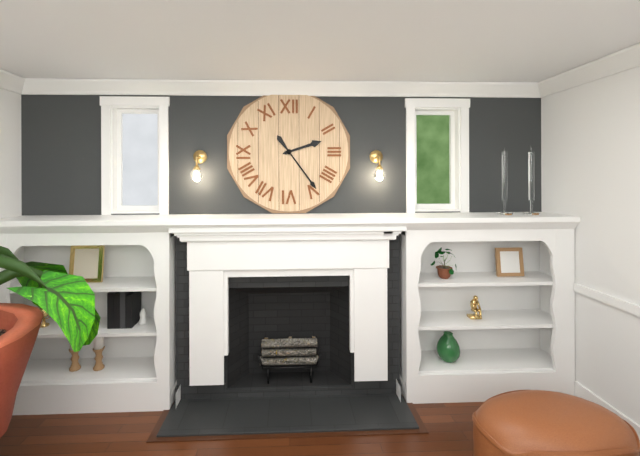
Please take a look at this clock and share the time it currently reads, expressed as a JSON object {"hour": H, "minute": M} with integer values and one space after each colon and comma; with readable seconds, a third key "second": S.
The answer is {"hour": 2, "minute": 24}
